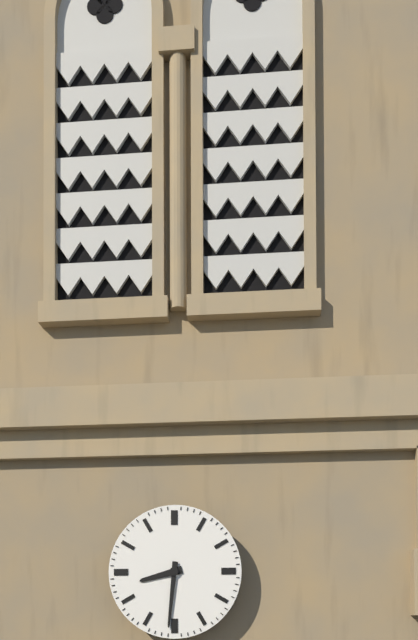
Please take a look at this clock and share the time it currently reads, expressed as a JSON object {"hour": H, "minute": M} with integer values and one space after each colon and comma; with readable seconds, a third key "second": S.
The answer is {"hour": 8, "minute": 31}
